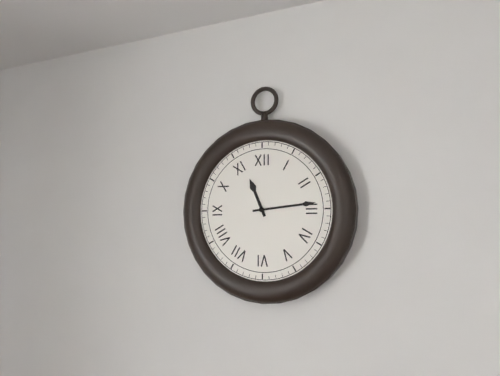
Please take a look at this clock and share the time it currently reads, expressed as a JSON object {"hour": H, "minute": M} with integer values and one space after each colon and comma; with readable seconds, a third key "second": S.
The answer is {"hour": 11, "minute": 14}
